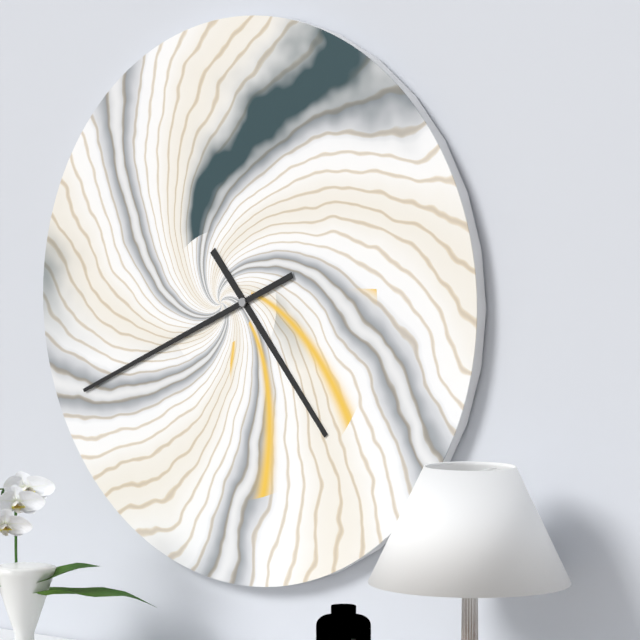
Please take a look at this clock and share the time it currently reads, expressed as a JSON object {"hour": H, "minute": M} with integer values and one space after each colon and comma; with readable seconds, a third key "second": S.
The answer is {"hour": 4, "minute": 41}
